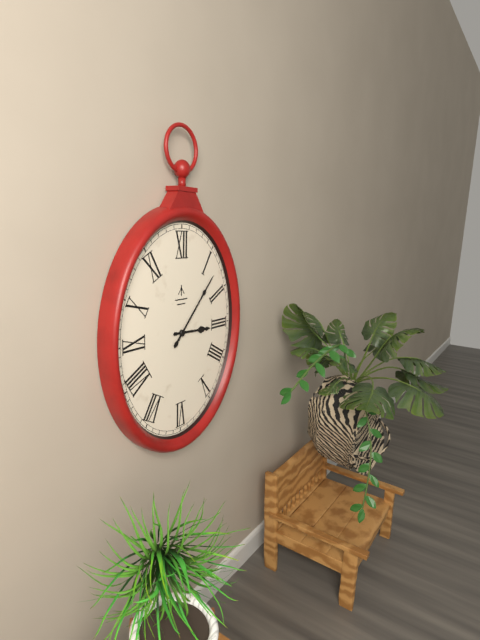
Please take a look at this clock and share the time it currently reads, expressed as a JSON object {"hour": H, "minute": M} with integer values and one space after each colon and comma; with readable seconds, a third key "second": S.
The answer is {"hour": 3, "minute": 7}
